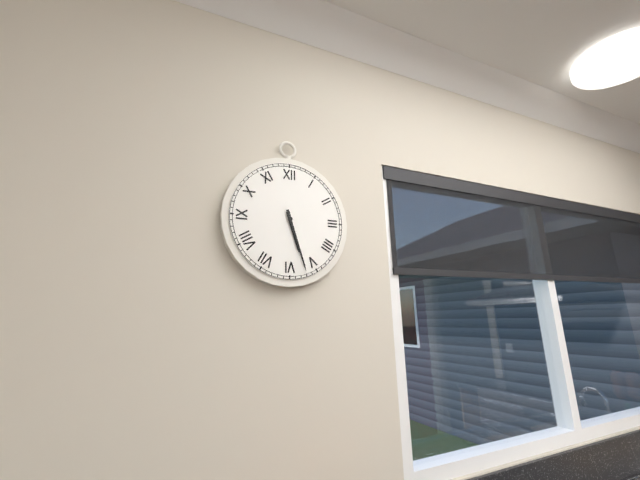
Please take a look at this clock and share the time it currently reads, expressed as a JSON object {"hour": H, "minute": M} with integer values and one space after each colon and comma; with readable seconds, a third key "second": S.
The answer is {"hour": 5, "minute": 27}
